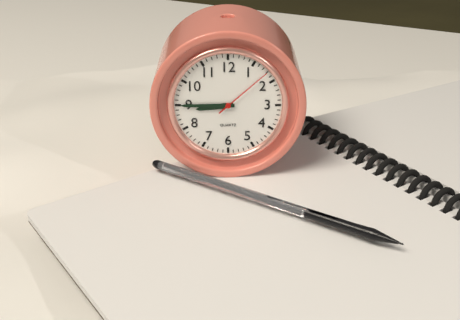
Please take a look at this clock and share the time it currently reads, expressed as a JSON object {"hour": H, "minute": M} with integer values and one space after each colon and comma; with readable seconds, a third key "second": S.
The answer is {"hour": 8, "minute": 45, "second": 8}
